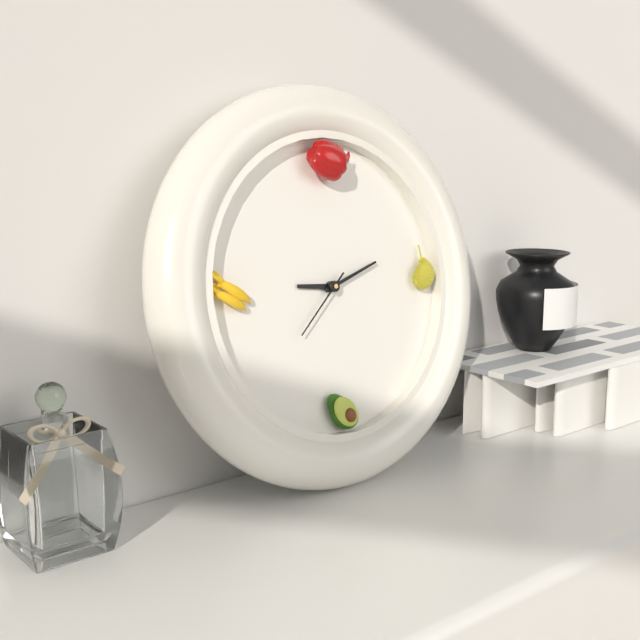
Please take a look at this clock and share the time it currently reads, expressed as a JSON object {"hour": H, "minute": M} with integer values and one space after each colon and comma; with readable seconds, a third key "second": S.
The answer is {"hour": 9, "minute": 12, "second": 38}
